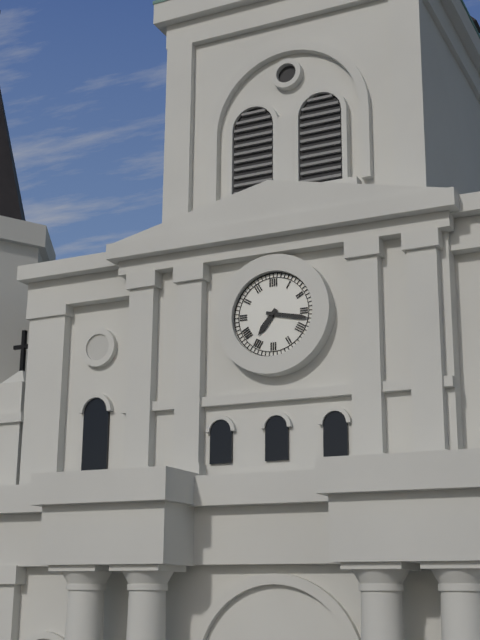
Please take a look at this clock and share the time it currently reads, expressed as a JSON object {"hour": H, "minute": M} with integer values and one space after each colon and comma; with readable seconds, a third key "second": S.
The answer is {"hour": 7, "minute": 17}
